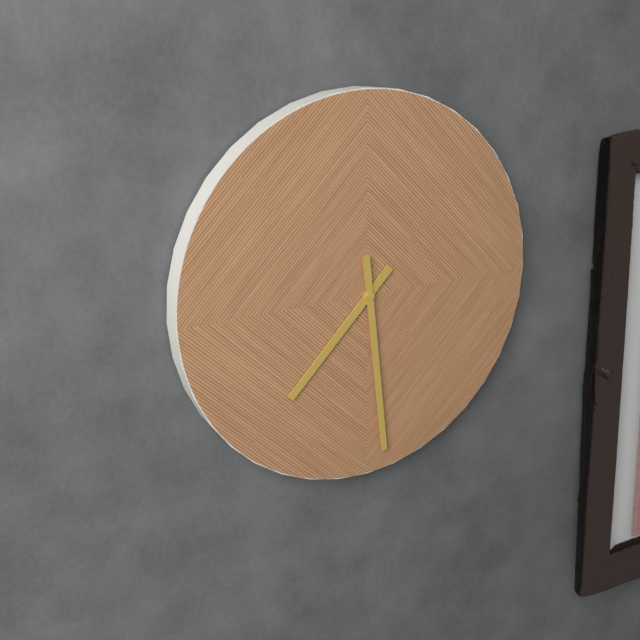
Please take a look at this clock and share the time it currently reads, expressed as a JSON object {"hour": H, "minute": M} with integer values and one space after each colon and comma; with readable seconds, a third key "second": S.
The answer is {"hour": 7, "minute": 29}
